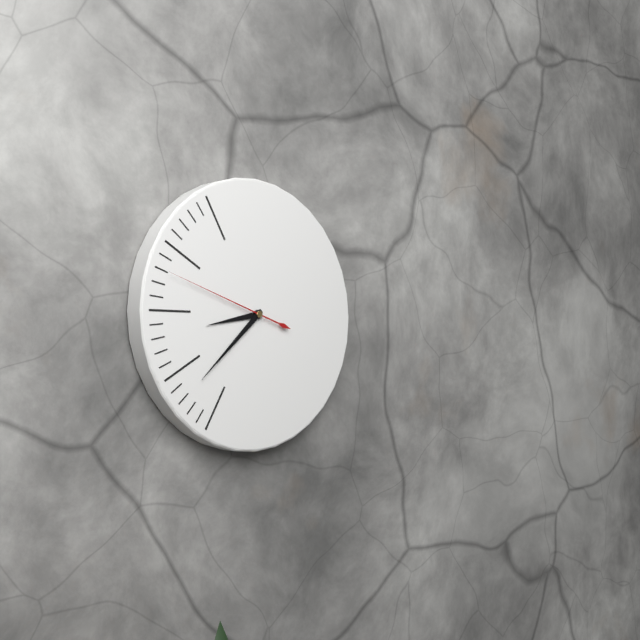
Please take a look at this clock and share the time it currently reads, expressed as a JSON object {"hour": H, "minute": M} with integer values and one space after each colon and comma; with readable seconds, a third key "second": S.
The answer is {"hour": 8, "minute": 38, "second": 48}
